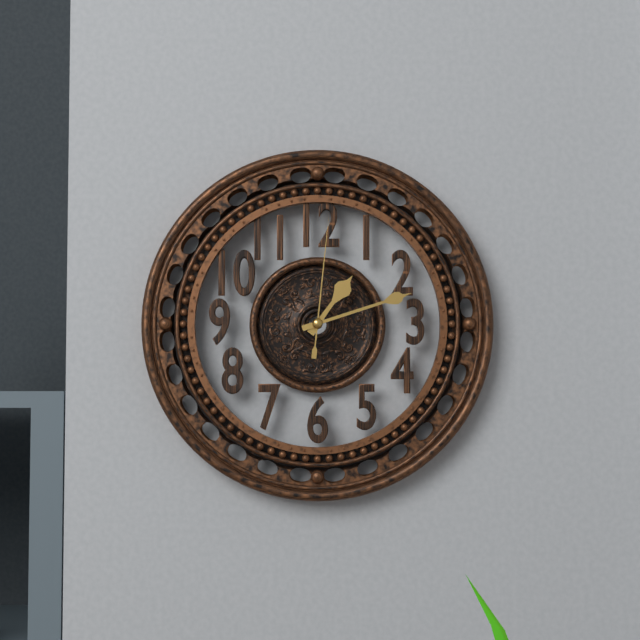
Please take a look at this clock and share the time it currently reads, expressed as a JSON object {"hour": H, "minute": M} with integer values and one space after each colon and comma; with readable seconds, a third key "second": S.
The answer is {"hour": 1, "minute": 12, "second": 1}
